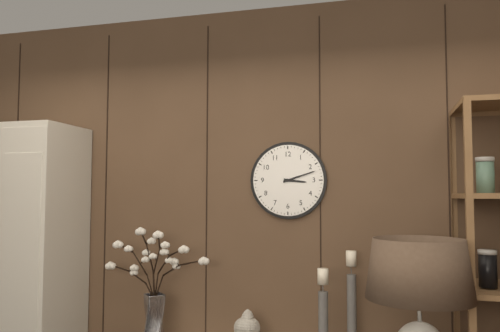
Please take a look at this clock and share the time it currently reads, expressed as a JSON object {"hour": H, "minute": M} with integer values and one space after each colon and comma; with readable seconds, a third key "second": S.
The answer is {"hour": 3, "minute": 12}
